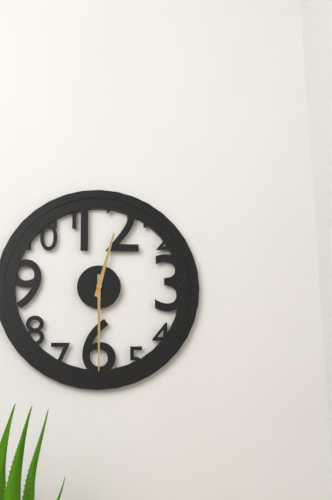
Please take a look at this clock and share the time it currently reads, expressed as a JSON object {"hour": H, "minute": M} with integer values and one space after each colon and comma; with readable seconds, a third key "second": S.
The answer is {"hour": 12, "minute": 30}
